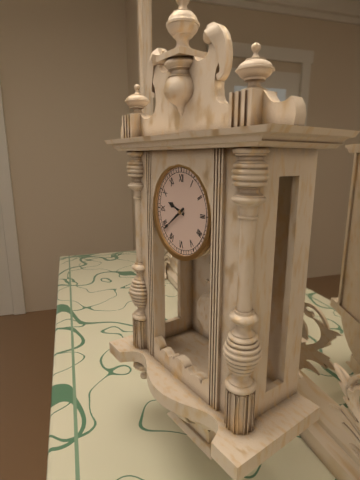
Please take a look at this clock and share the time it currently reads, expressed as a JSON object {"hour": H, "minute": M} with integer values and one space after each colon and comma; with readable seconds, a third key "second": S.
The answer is {"hour": 9, "minute": 39}
